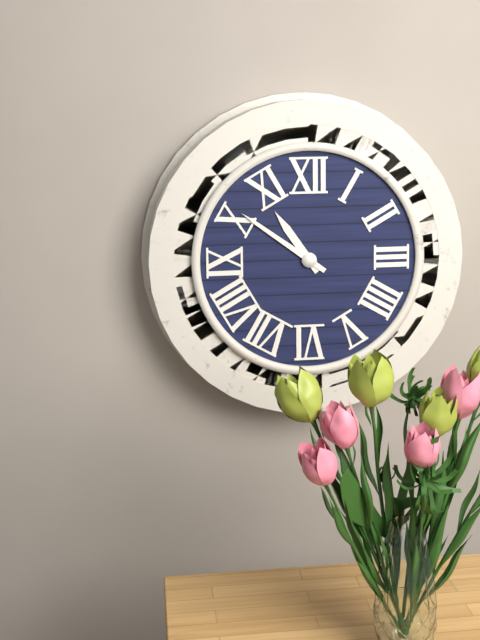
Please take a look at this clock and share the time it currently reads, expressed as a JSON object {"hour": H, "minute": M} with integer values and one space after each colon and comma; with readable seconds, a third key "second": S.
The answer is {"hour": 10, "minute": 51}
